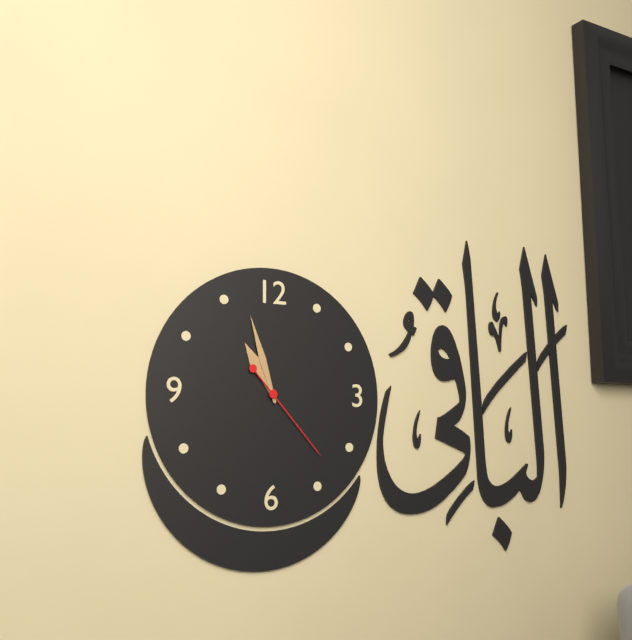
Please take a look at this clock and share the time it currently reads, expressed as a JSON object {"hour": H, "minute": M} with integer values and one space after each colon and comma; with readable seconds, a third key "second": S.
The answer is {"hour": 10, "minute": 57, "second": 23}
